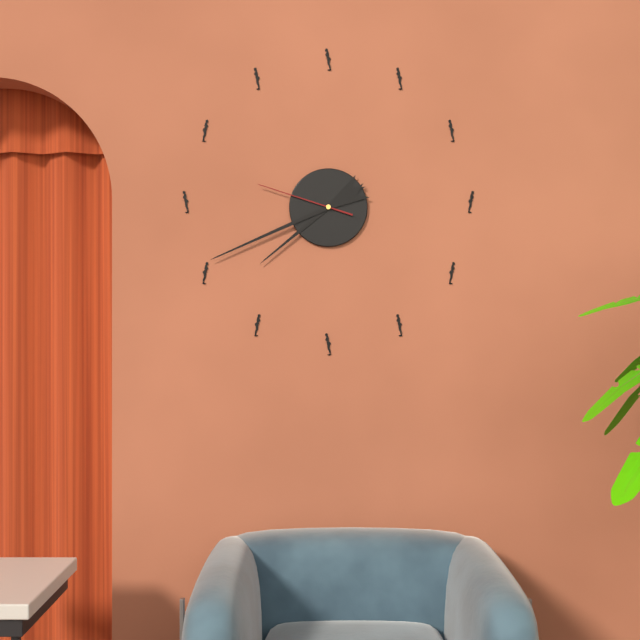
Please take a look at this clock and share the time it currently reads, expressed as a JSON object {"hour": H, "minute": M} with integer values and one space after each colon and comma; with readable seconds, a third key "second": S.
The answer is {"hour": 7, "minute": 41, "second": 48}
